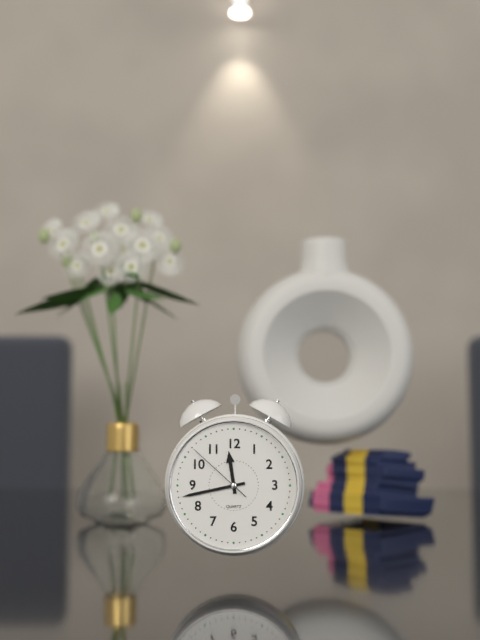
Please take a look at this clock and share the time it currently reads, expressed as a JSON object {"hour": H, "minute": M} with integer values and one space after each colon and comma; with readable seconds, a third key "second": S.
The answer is {"hour": 11, "minute": 43, "second": 52}
